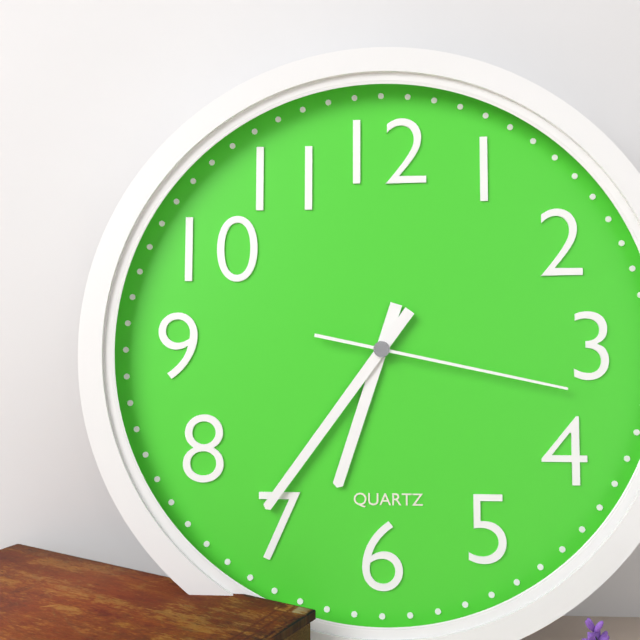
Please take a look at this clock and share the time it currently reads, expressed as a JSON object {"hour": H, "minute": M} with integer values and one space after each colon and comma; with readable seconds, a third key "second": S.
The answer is {"hour": 6, "minute": 36, "second": 17}
